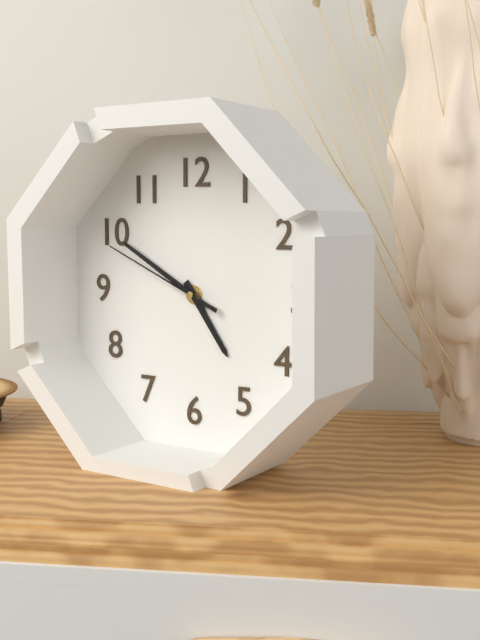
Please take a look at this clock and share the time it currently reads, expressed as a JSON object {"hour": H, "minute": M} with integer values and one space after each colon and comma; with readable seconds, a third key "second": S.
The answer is {"hour": 4, "minute": 50, "second": 49}
